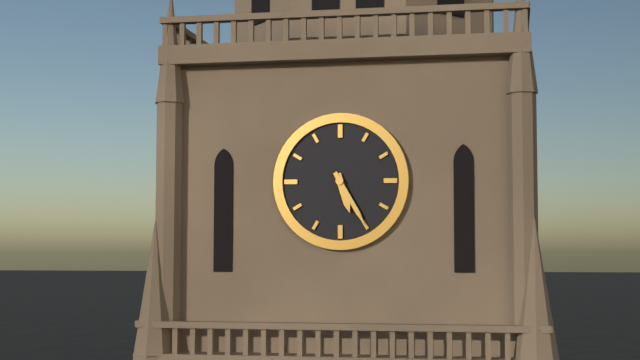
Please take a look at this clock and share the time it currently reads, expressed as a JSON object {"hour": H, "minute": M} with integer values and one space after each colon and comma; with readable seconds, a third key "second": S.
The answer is {"hour": 5, "minute": 25}
